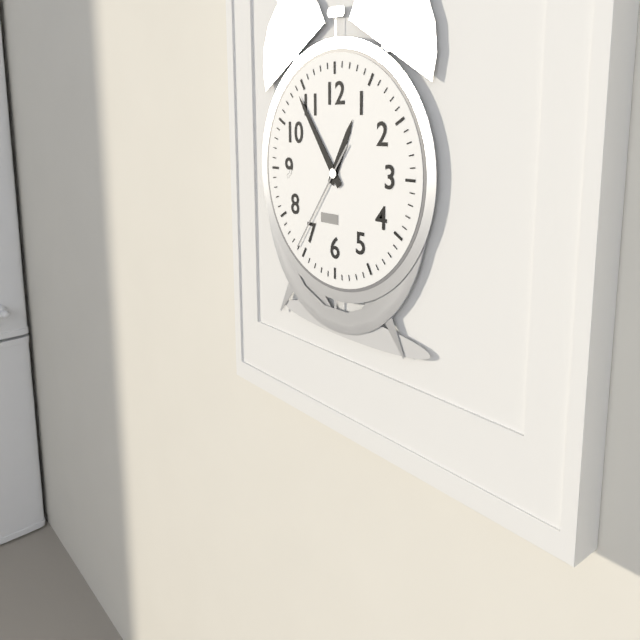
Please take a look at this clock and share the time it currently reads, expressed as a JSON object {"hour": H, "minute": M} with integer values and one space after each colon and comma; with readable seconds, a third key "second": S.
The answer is {"hour": 12, "minute": 54, "second": 36}
